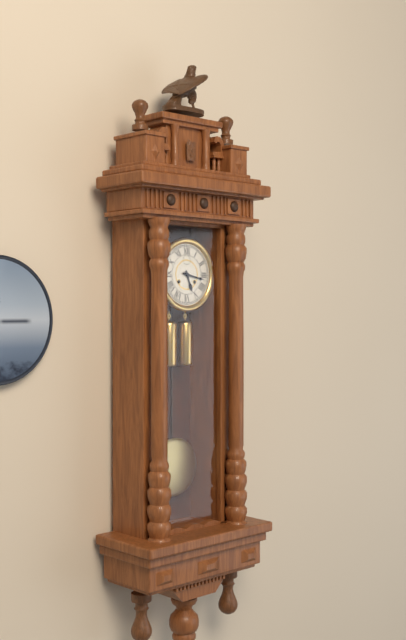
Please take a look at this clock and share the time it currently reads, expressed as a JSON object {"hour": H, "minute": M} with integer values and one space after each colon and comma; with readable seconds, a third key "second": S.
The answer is {"hour": 5, "minute": 17}
